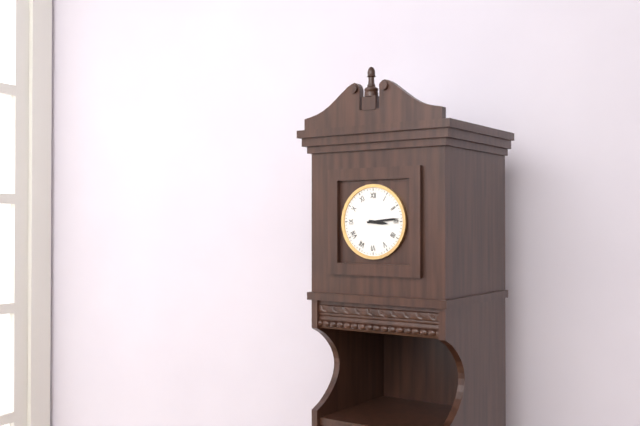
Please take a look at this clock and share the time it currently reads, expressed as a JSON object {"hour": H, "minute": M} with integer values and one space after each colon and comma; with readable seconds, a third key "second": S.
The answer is {"hour": 3, "minute": 14}
